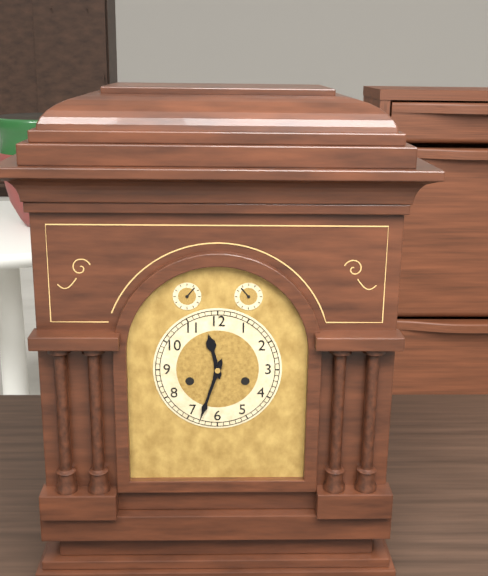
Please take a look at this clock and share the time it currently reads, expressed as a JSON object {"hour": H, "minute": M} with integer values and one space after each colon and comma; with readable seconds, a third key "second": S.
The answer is {"hour": 11, "minute": 33}
